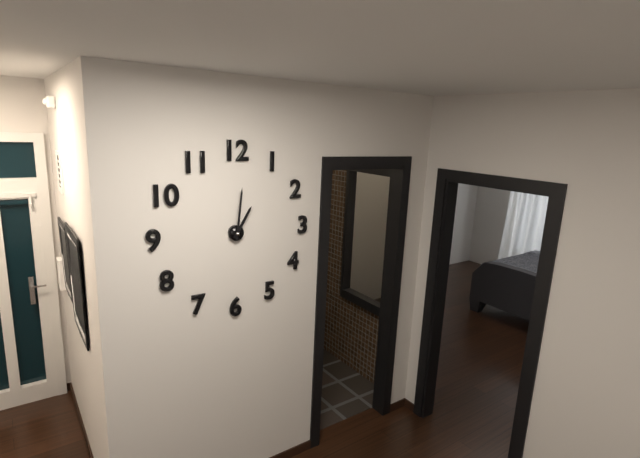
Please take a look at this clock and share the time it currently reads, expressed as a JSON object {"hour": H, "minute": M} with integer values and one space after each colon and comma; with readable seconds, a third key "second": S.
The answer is {"hour": 1, "minute": 1}
